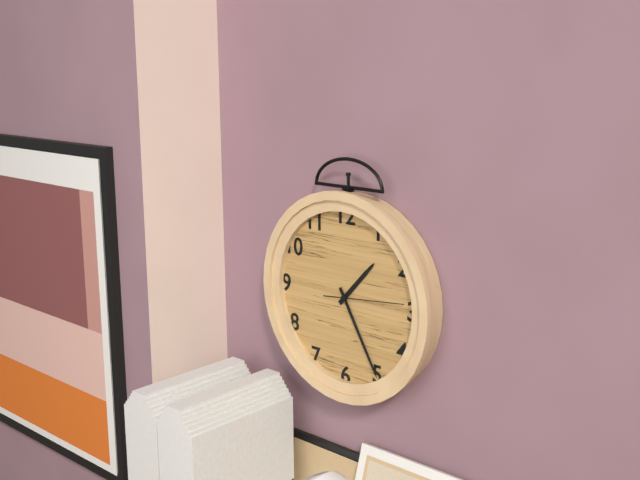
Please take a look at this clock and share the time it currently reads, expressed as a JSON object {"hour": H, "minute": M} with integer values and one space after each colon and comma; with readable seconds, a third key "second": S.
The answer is {"hour": 1, "minute": 25, "second": 14}
